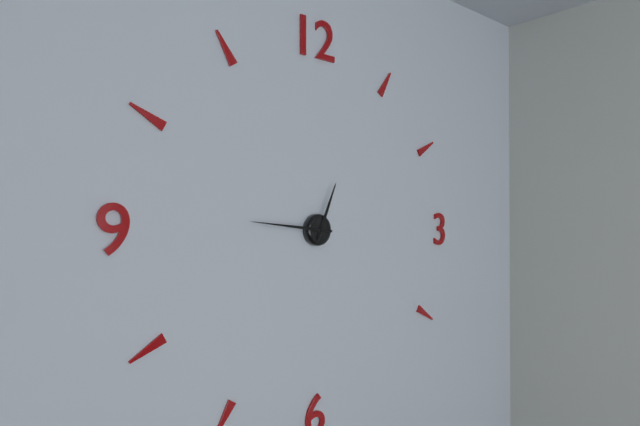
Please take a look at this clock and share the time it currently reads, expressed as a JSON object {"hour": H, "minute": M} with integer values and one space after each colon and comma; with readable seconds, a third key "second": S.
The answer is {"hour": 12, "minute": 46}
